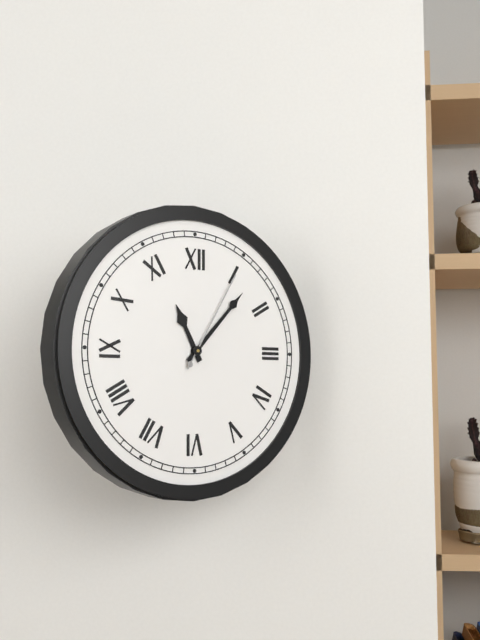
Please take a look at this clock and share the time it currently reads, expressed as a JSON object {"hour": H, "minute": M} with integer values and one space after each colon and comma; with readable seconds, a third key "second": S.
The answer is {"hour": 11, "minute": 7, "second": 5}
